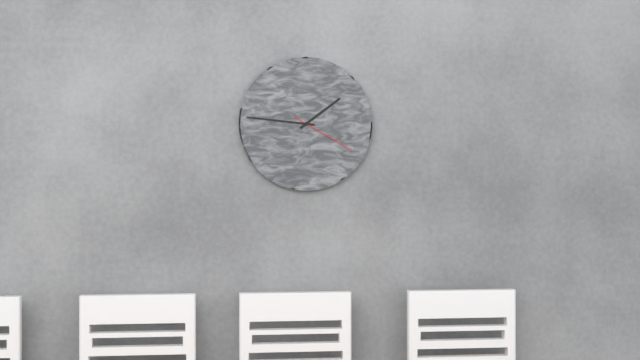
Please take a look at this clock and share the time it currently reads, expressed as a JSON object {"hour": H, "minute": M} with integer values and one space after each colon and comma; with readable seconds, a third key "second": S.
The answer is {"hour": 1, "minute": 46, "second": 20}
